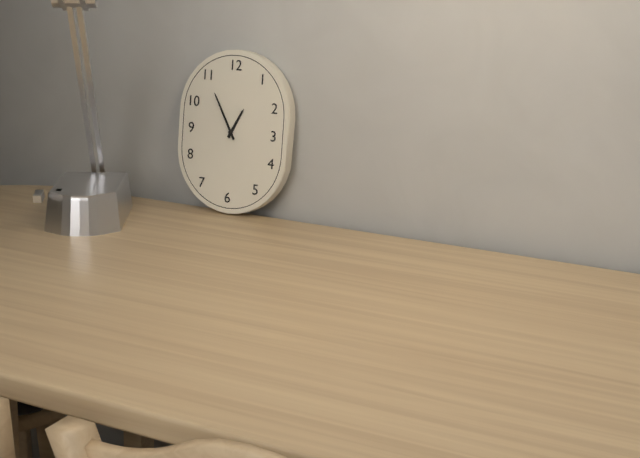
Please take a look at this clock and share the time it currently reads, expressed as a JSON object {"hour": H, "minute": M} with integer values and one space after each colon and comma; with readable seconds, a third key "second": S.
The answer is {"hour": 12, "minute": 55}
